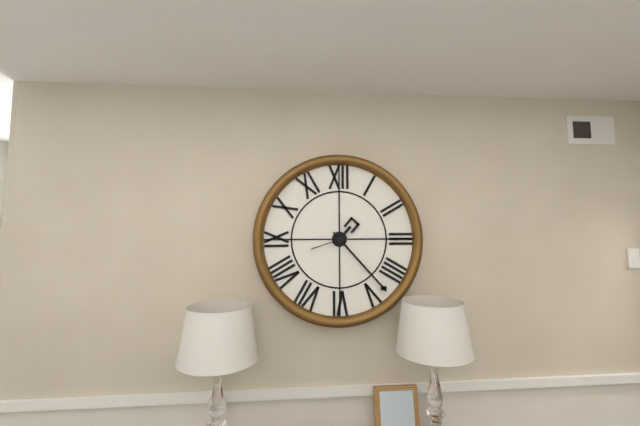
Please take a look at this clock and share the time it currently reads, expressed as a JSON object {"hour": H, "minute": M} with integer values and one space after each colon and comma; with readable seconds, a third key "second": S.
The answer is {"hour": 1, "minute": 23}
